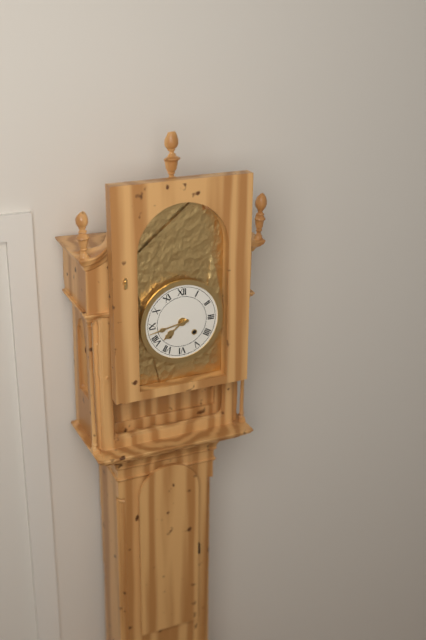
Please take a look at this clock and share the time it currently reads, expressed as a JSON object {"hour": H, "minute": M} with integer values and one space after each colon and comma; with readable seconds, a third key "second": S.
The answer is {"hour": 7, "minute": 43}
